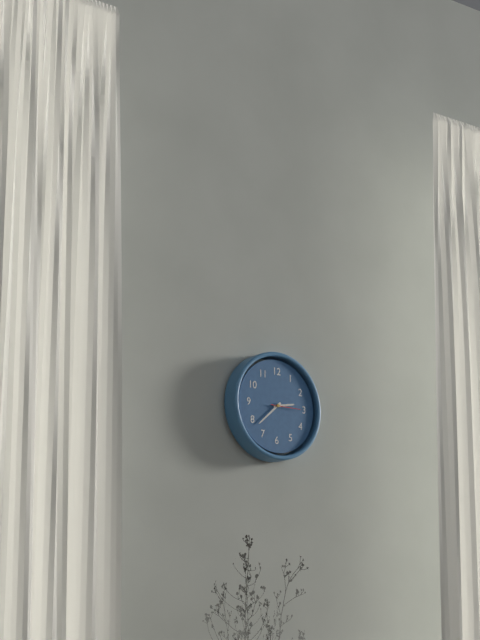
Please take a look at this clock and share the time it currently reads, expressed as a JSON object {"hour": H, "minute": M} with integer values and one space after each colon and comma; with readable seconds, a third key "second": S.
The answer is {"hour": 2, "minute": 38}
